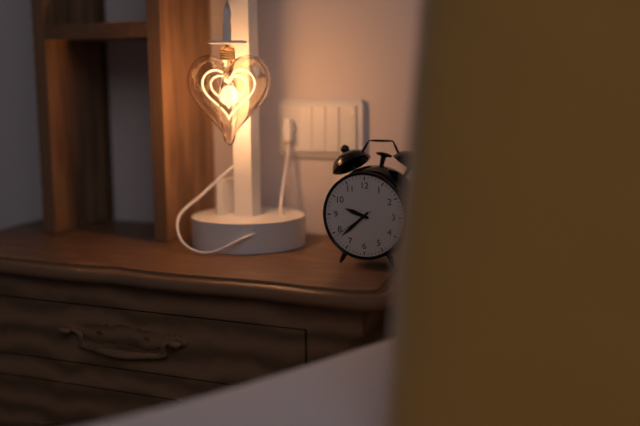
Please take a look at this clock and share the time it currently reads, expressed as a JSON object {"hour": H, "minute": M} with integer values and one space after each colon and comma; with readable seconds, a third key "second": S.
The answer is {"hour": 9, "minute": 38}
